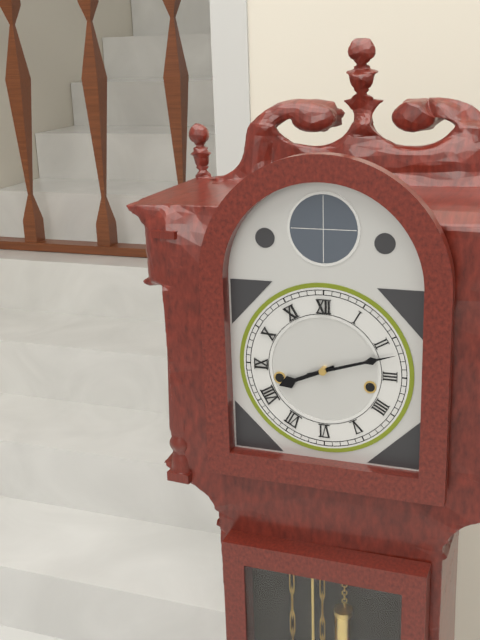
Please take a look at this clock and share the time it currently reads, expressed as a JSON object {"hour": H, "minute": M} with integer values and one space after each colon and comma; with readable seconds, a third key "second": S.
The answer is {"hour": 8, "minute": 12}
